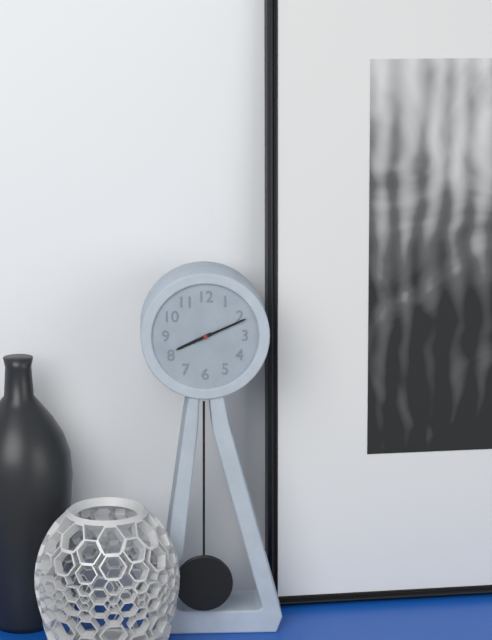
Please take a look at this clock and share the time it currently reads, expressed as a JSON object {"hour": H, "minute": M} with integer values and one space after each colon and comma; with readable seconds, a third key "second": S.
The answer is {"hour": 8, "minute": 11}
